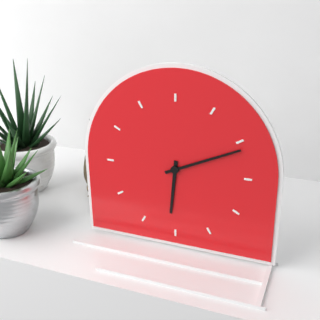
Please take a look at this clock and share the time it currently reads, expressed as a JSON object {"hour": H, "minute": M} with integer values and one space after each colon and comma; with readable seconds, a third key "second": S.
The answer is {"hour": 6, "minute": 11}
